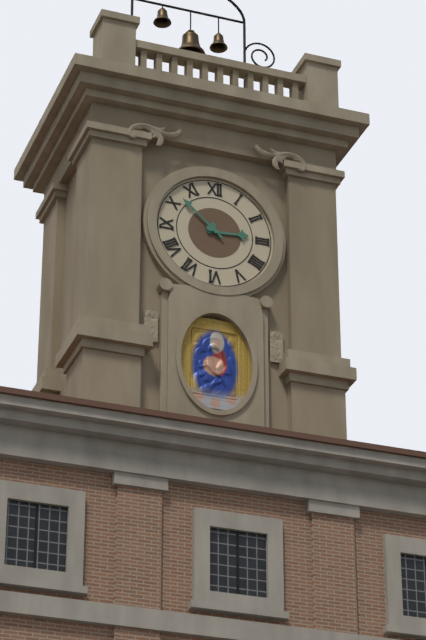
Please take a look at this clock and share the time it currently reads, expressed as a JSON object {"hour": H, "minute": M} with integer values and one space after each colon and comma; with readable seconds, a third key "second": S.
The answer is {"hour": 2, "minute": 52}
